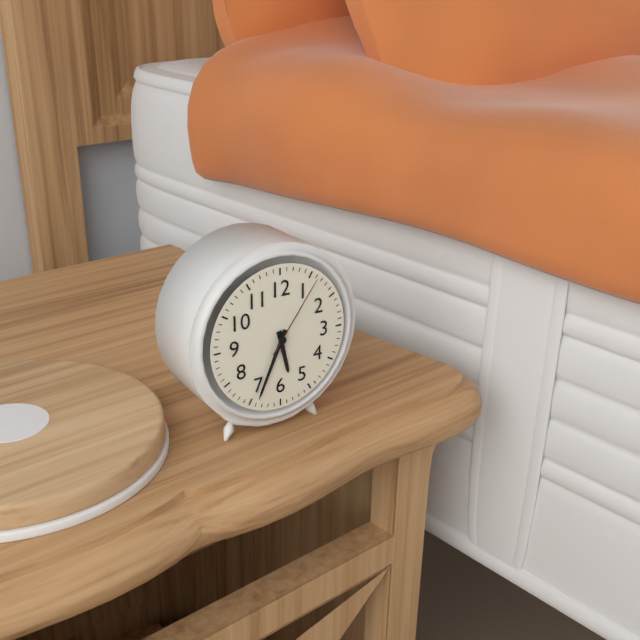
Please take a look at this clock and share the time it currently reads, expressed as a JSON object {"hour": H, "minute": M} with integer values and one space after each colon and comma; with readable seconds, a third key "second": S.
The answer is {"hour": 5, "minute": 34, "second": 6}
